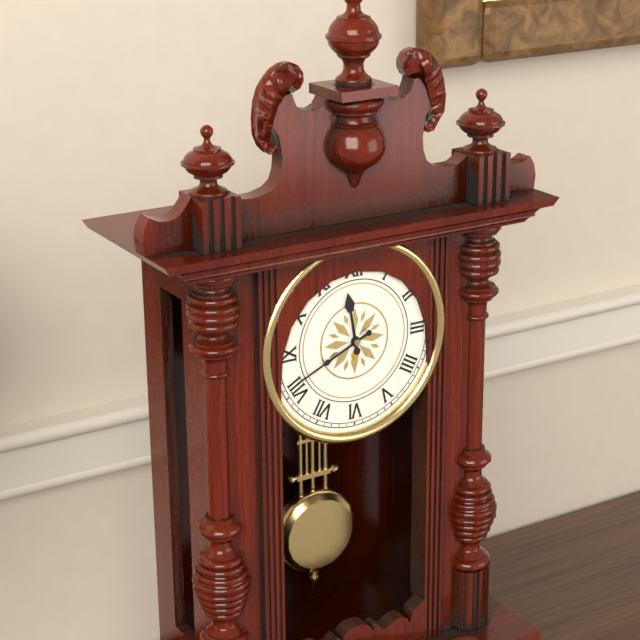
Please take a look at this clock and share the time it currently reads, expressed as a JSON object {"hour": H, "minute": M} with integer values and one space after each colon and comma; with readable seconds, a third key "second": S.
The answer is {"hour": 11, "minute": 41}
